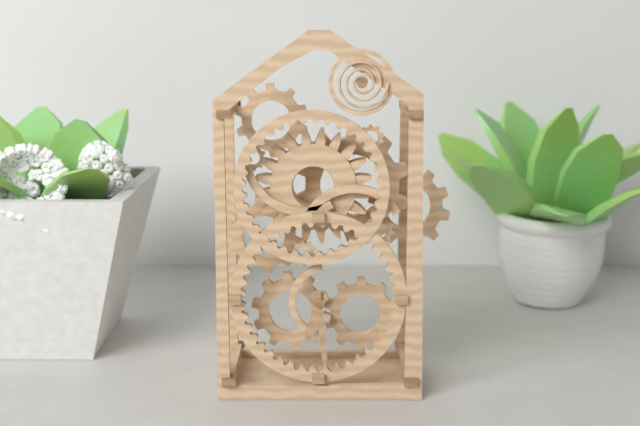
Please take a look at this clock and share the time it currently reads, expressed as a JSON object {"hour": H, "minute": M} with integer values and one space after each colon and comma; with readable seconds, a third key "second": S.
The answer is {"hour": 6, "minute": 29}
